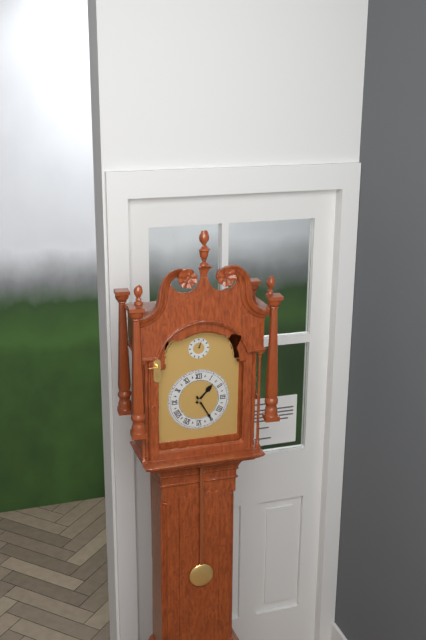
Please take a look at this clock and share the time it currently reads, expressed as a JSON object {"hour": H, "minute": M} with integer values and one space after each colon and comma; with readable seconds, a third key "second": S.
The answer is {"hour": 1, "minute": 25}
